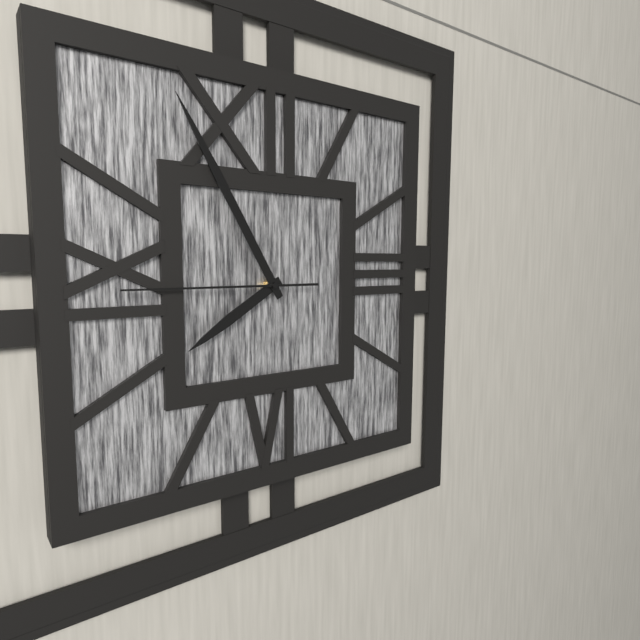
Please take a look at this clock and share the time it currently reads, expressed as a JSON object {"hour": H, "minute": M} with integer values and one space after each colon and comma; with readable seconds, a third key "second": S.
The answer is {"hour": 7, "minute": 55, "second": 45}
